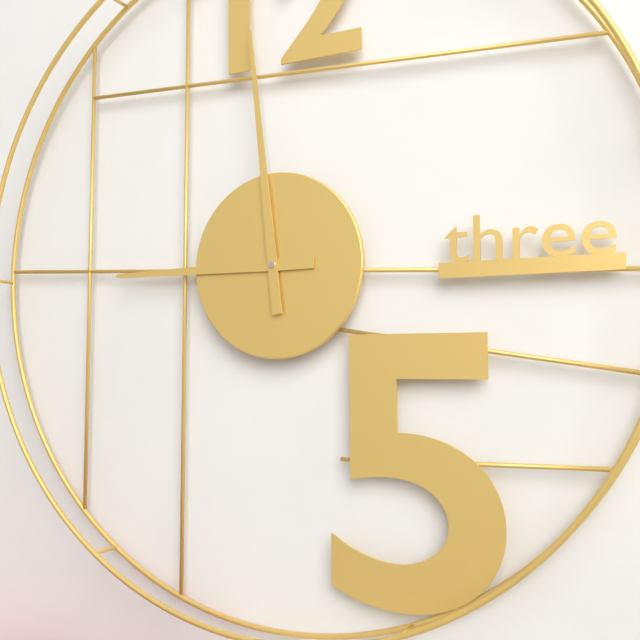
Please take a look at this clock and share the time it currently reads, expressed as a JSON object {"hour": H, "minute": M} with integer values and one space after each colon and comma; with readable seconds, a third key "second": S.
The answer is {"hour": 8, "minute": 59}
